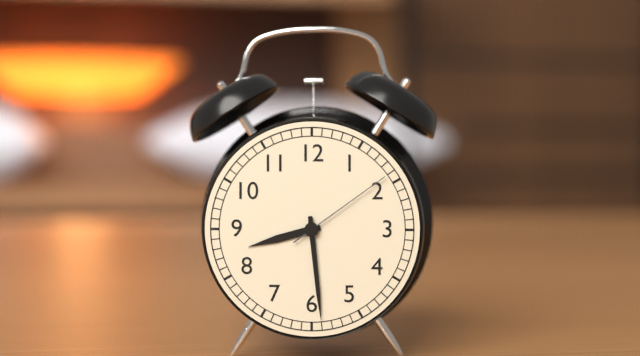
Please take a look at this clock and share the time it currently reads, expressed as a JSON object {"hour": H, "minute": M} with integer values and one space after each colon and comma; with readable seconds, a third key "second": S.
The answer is {"hour": 8, "minute": 29, "second": 9}
